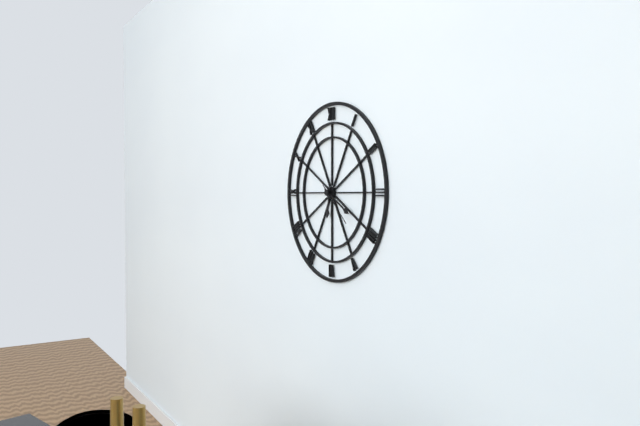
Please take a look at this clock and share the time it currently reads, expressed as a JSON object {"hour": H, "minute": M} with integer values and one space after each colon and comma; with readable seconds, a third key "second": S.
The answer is {"hour": 6, "minute": 20}
